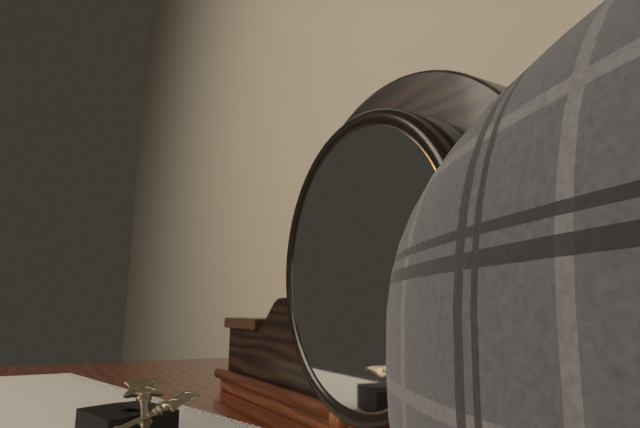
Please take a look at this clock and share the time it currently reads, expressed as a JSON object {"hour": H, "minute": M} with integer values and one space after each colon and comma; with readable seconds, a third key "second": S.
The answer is {"hour": 12, "minute": 28}
